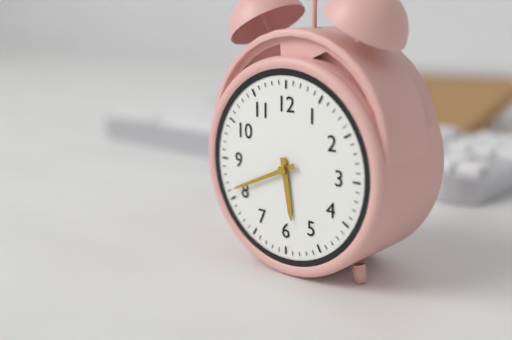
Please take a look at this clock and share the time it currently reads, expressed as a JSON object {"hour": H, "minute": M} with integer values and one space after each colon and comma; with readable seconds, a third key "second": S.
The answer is {"hour": 5, "minute": 41}
